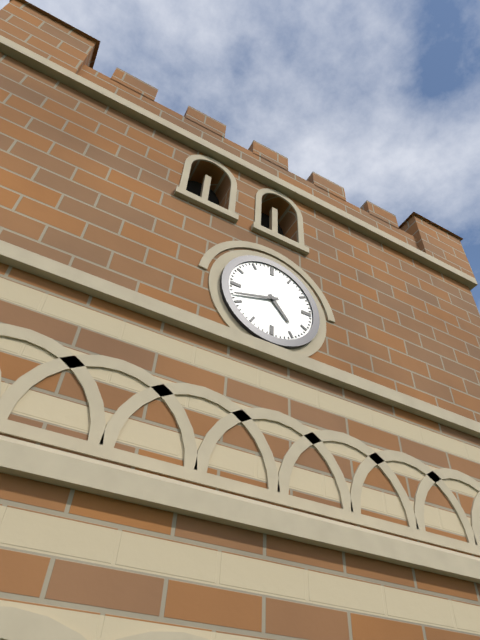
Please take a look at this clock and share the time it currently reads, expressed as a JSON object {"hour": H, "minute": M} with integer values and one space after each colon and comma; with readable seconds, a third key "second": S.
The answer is {"hour": 4, "minute": 42}
